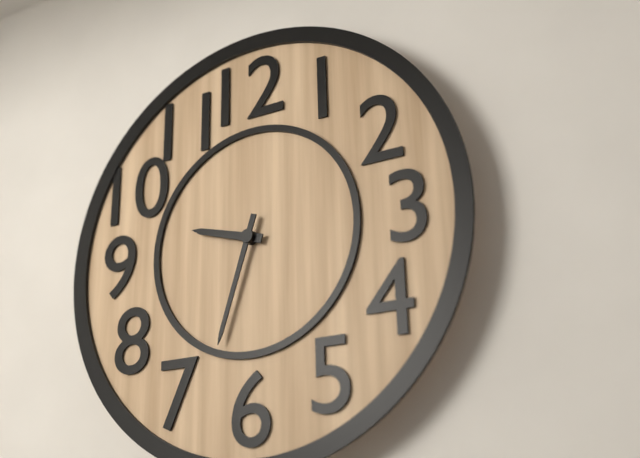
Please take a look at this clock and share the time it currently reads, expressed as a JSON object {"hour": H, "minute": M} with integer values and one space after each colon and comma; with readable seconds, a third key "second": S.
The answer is {"hour": 9, "minute": 33}
